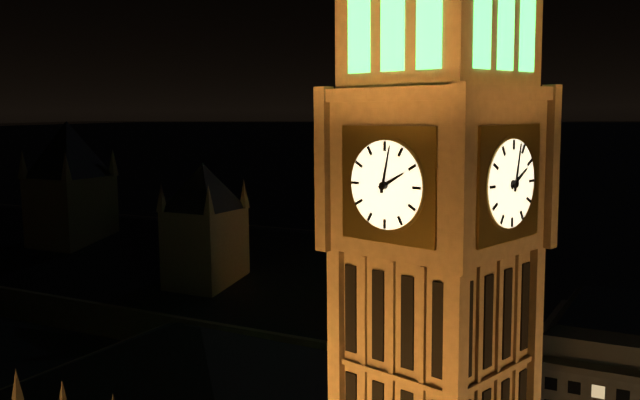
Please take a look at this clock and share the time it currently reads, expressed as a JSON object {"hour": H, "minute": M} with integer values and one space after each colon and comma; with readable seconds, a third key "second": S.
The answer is {"hour": 2, "minute": 2}
